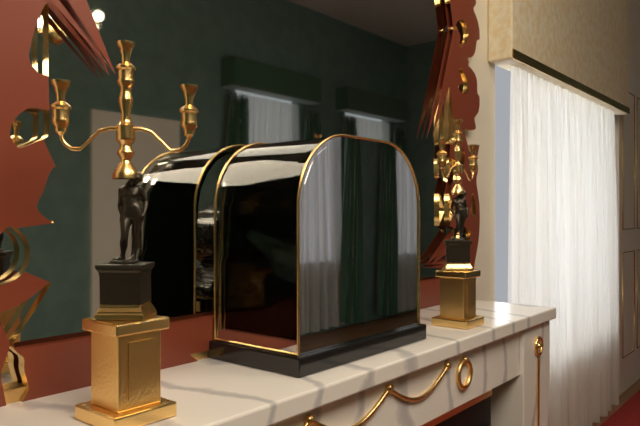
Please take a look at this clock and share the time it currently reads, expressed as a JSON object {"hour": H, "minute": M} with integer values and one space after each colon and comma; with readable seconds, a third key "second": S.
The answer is {"hour": 7, "minute": 2}
